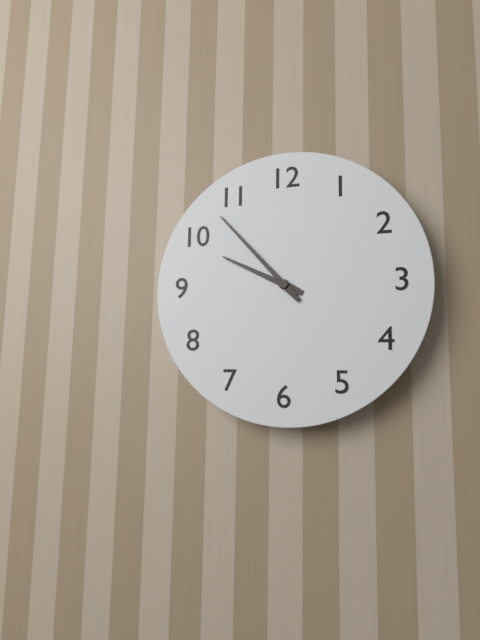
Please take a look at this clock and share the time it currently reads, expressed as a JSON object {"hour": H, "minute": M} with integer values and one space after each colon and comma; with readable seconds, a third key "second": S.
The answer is {"hour": 9, "minute": 53}
